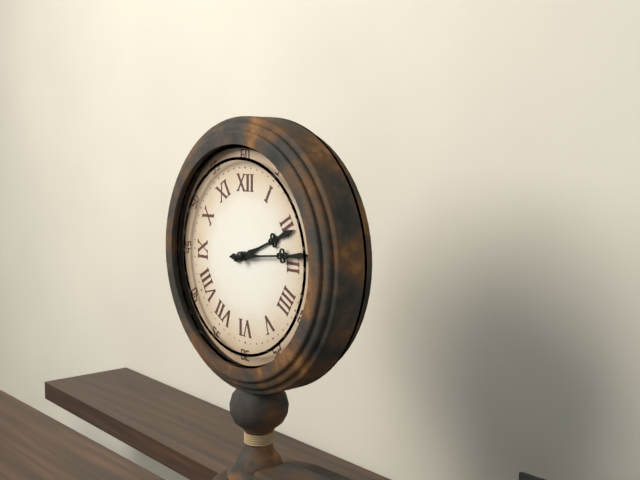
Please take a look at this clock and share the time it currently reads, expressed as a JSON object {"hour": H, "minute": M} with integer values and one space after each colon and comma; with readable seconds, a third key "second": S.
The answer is {"hour": 2, "minute": 14}
